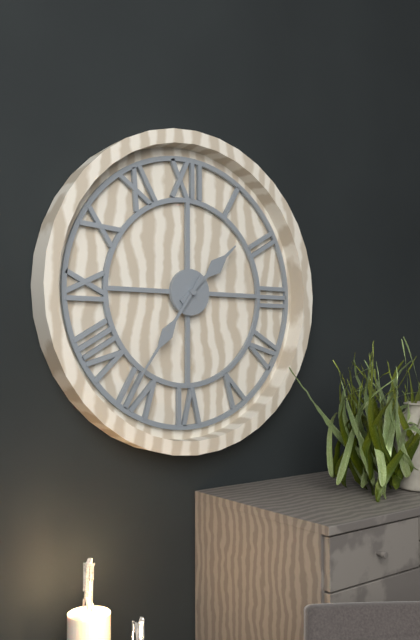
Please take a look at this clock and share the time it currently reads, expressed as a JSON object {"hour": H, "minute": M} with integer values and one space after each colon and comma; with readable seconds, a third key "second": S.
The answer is {"hour": 1, "minute": 36}
